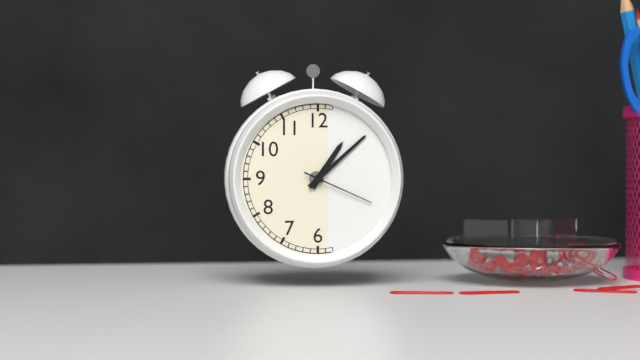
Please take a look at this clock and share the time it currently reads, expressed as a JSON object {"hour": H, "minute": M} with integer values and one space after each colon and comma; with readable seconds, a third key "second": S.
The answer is {"hour": 1, "minute": 8, "second": 19}
